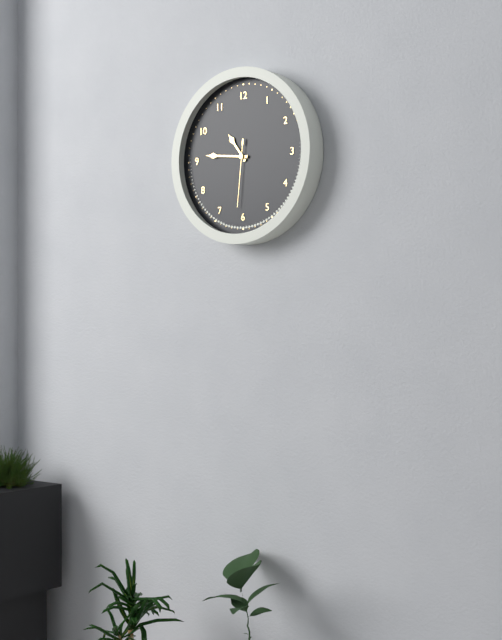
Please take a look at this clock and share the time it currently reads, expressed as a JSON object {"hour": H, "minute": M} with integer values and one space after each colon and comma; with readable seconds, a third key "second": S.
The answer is {"hour": 10, "minute": 46, "second": 31}
